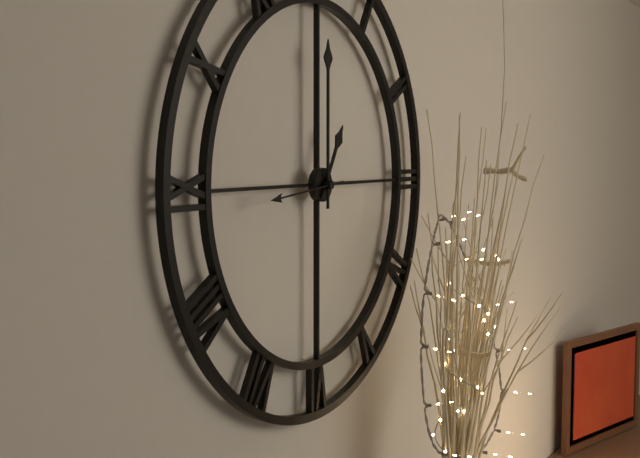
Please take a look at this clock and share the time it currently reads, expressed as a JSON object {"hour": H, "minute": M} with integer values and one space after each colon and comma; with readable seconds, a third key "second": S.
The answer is {"hour": 1, "minute": 0}
